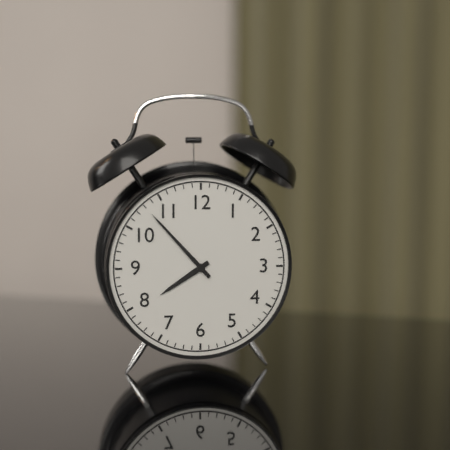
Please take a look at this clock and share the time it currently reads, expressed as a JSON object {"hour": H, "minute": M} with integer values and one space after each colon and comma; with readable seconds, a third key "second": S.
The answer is {"hour": 7, "minute": 53}
